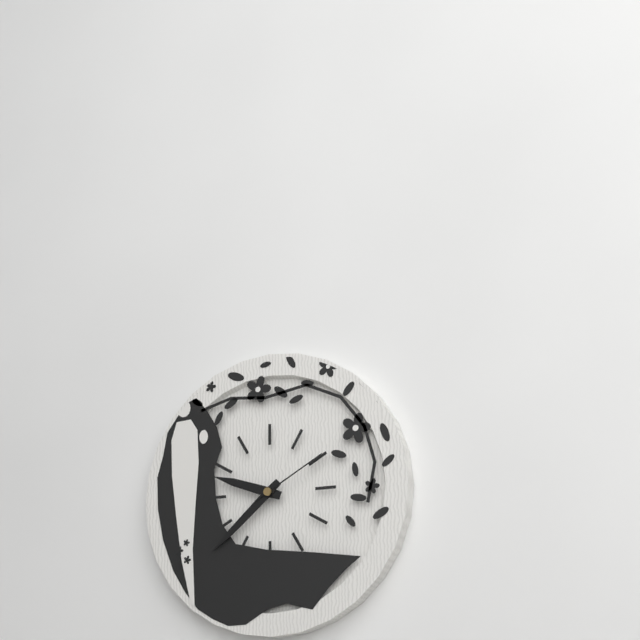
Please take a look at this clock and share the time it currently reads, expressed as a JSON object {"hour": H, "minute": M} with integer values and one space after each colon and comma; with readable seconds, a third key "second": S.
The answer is {"hour": 9, "minute": 38, "second": 10}
